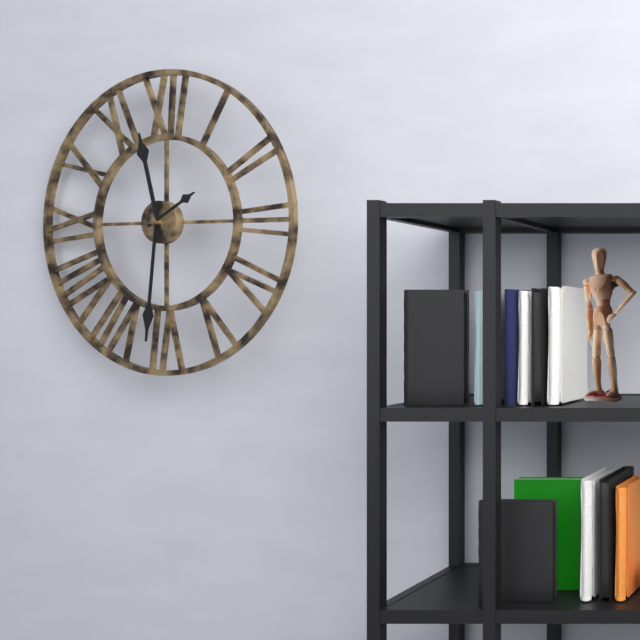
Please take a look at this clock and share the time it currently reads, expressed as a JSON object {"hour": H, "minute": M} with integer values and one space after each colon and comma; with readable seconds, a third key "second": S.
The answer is {"hour": 11, "minute": 31, "second": 10}
